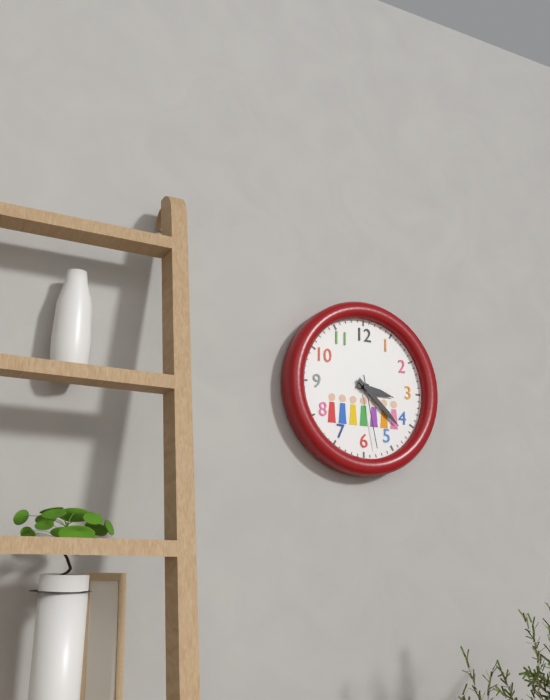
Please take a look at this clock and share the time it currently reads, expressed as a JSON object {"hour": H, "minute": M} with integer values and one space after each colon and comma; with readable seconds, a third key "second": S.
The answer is {"hour": 3, "minute": 22, "second": 28}
